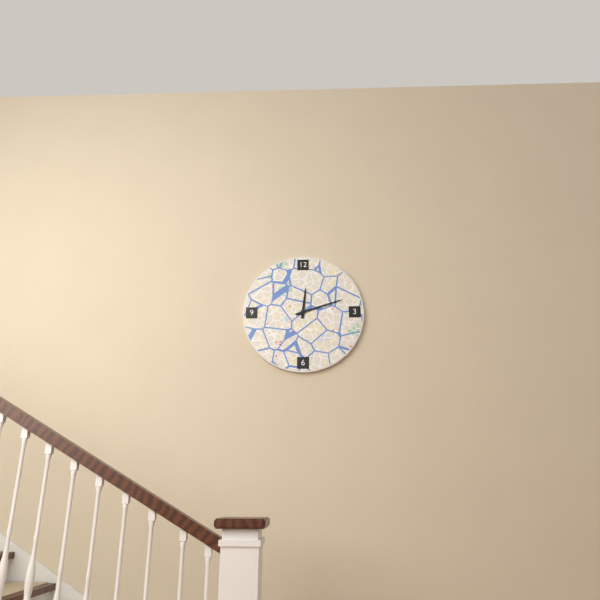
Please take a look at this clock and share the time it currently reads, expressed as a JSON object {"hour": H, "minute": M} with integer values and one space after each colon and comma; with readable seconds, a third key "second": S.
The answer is {"hour": 12, "minute": 12}
